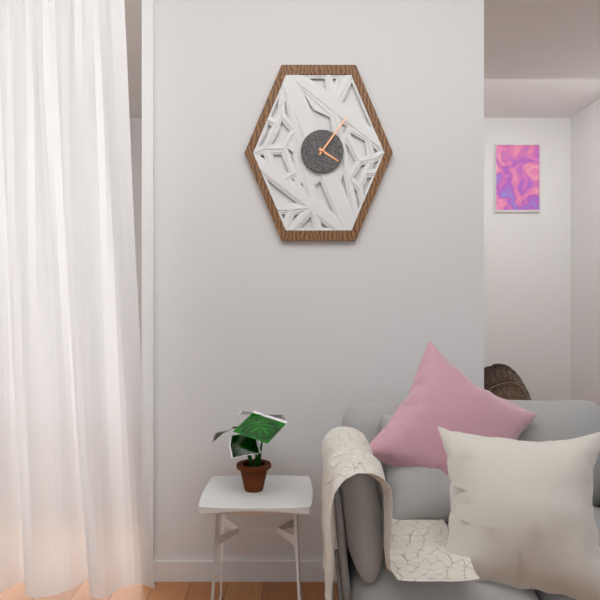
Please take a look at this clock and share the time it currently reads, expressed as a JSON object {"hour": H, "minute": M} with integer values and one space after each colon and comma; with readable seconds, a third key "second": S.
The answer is {"hour": 4, "minute": 6}
